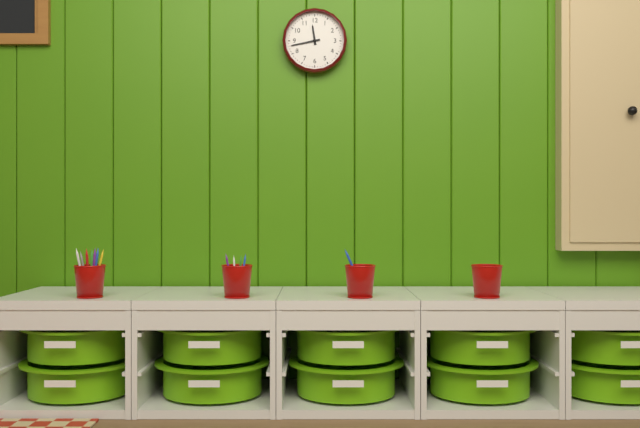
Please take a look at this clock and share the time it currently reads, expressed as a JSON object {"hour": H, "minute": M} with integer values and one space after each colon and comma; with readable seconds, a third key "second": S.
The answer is {"hour": 11, "minute": 43}
